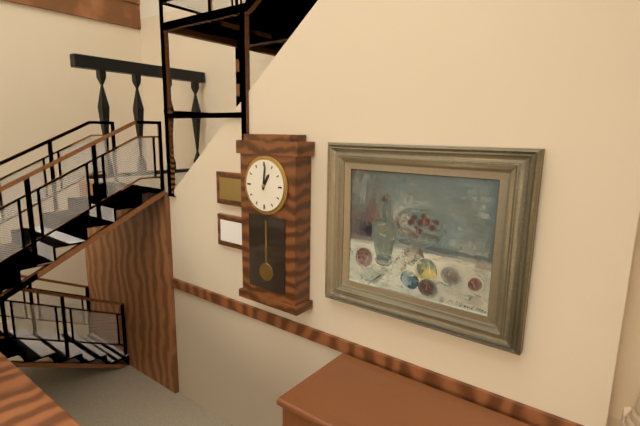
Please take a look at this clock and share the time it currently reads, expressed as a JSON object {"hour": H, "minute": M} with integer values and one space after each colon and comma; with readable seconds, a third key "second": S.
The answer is {"hour": 1, "minute": 1}
